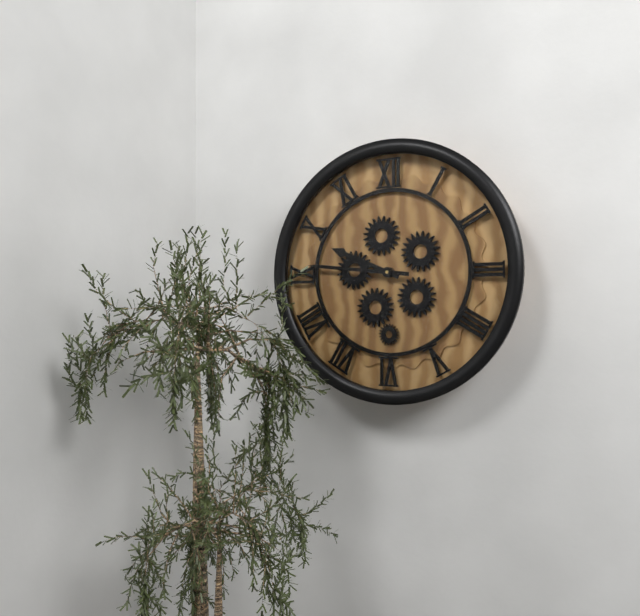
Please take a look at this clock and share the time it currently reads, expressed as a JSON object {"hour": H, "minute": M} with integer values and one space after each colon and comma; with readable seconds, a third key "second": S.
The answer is {"hour": 9, "minute": 46}
